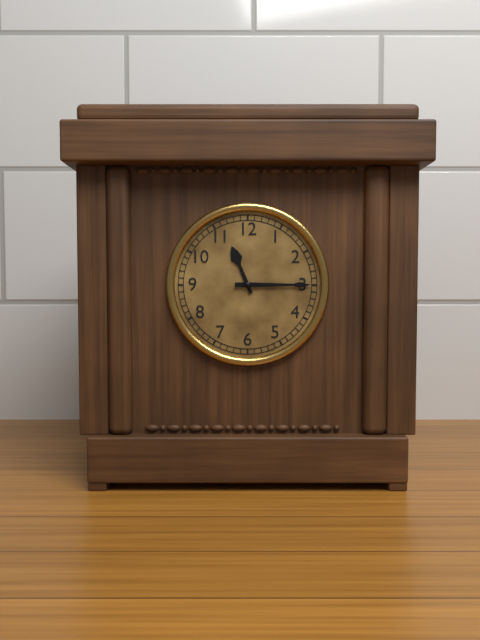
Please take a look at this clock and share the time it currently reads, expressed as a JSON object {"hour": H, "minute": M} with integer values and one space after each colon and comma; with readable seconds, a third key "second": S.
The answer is {"hour": 11, "minute": 15}
